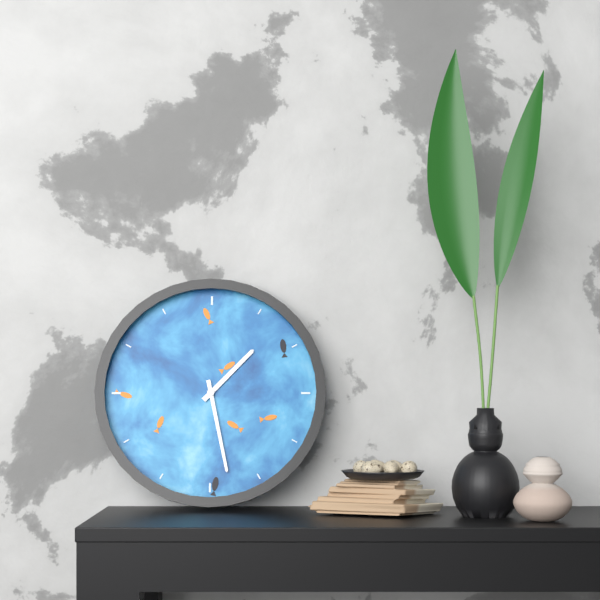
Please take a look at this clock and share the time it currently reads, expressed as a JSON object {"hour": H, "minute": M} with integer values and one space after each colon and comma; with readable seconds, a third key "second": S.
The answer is {"hour": 1, "minute": 28}
